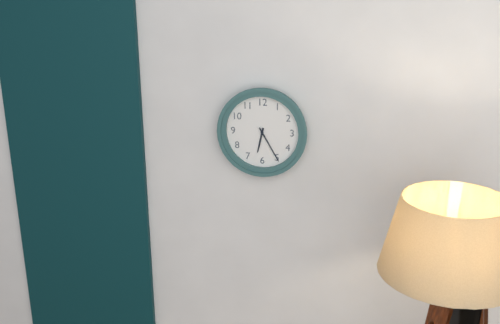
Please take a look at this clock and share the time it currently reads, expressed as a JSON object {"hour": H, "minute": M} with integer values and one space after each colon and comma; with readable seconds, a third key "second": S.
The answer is {"hour": 6, "minute": 25}
